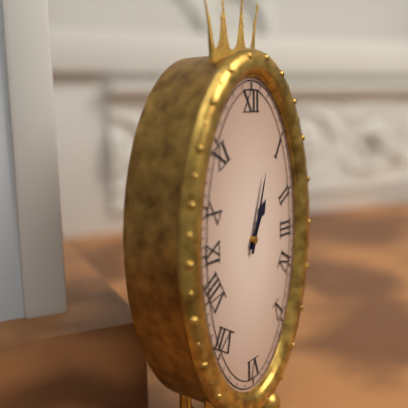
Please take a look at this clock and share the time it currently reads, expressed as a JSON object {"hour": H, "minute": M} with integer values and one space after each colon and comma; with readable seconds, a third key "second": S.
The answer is {"hour": 1, "minute": 3}
